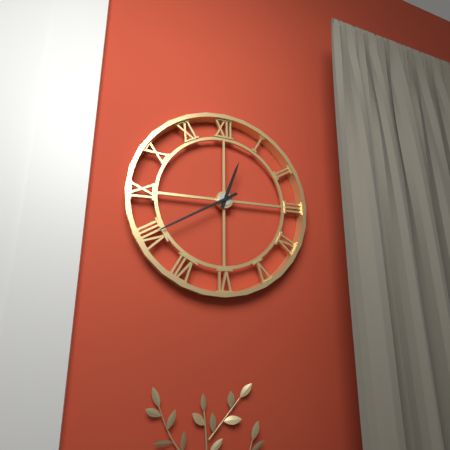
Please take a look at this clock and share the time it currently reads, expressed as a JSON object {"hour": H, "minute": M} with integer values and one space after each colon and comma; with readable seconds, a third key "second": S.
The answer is {"hour": 12, "minute": 40}
